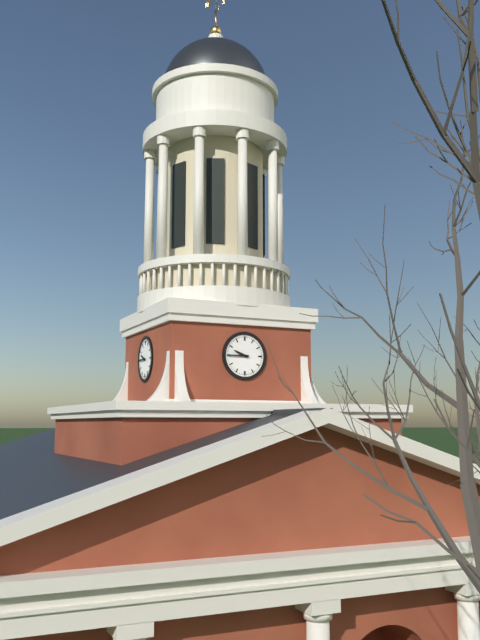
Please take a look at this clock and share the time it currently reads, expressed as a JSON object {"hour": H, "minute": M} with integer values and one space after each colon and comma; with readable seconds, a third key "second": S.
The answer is {"hour": 9, "minute": 45}
